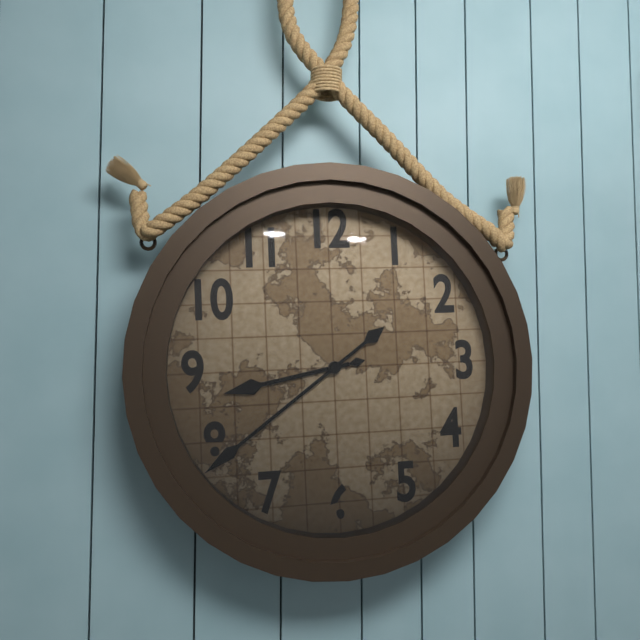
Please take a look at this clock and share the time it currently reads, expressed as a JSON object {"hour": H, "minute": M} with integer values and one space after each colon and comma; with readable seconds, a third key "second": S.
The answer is {"hour": 8, "minute": 39}
